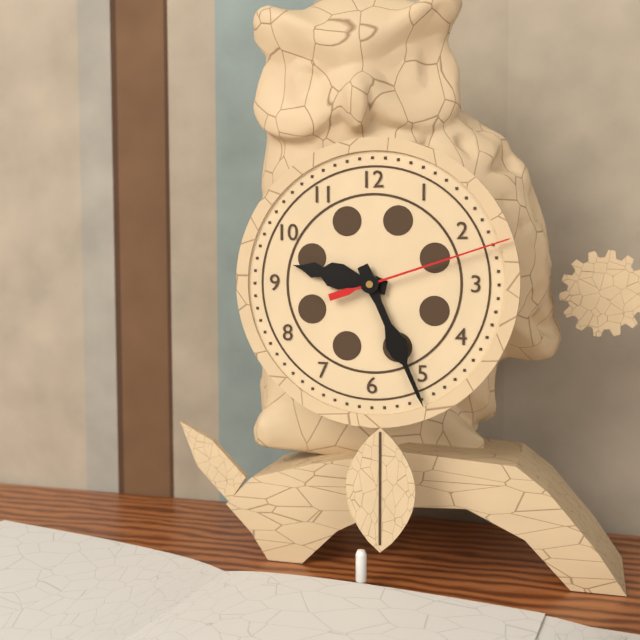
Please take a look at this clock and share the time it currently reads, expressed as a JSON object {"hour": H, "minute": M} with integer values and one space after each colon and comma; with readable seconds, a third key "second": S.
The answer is {"hour": 9, "minute": 26, "second": 12}
